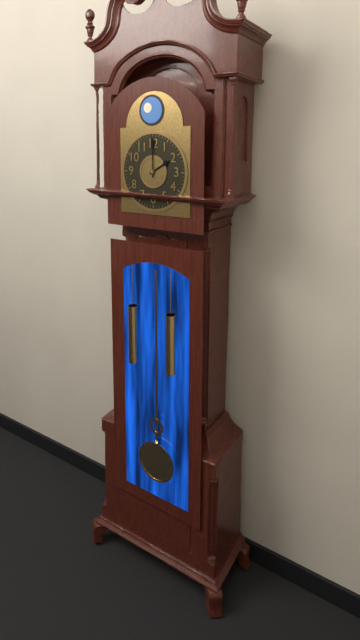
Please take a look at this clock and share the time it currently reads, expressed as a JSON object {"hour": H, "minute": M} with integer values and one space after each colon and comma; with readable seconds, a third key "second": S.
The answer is {"hour": 2, "minute": 0}
